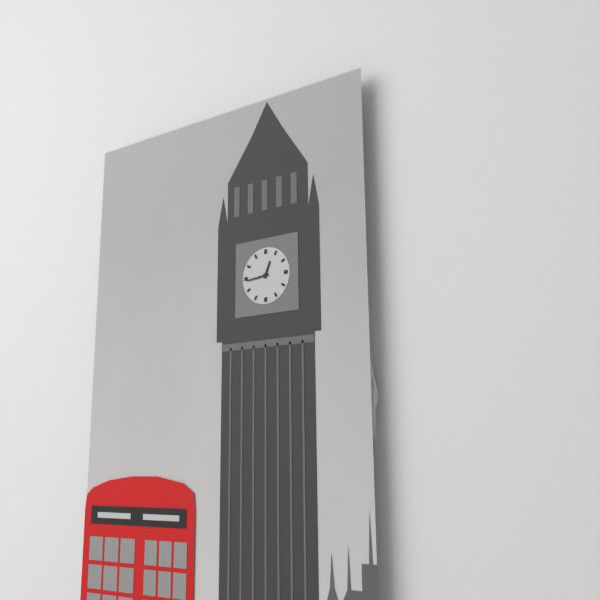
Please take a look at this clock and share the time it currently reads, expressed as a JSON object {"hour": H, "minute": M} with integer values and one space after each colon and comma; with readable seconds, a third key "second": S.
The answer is {"hour": 12, "minute": 44}
